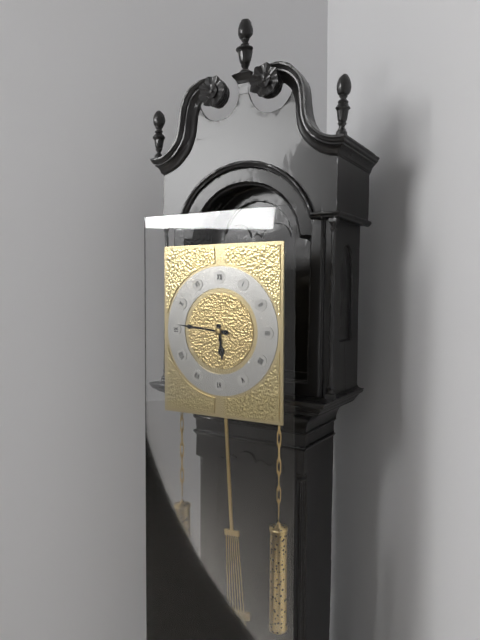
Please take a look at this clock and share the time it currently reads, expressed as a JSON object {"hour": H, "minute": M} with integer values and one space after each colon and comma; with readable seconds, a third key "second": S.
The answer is {"hour": 5, "minute": 46}
